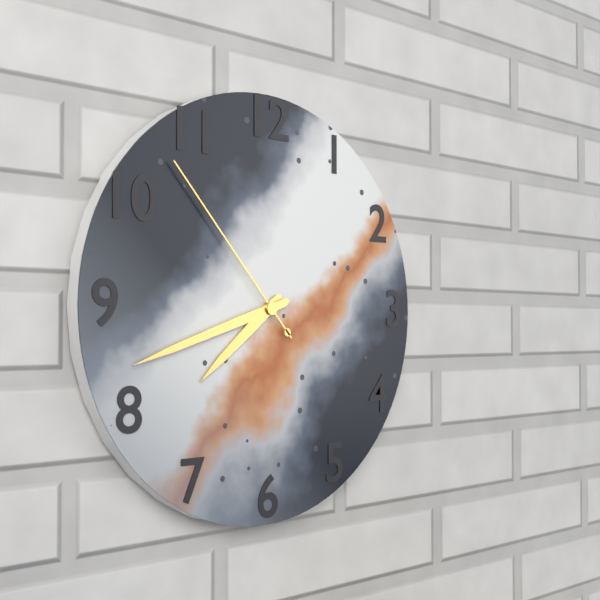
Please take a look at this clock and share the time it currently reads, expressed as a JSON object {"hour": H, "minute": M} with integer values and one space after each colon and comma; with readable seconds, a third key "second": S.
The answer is {"hour": 7, "minute": 42, "second": 53}
